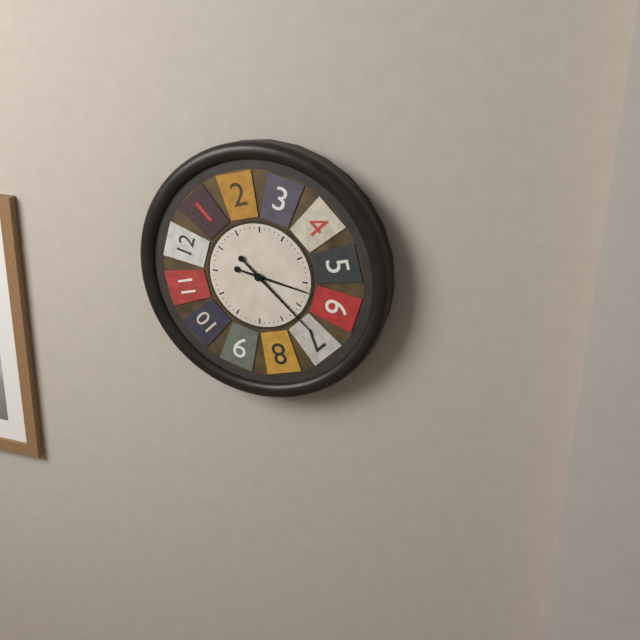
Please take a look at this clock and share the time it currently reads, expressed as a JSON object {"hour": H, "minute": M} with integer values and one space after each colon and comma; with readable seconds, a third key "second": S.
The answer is {"hour": 3, "minute": 22}
